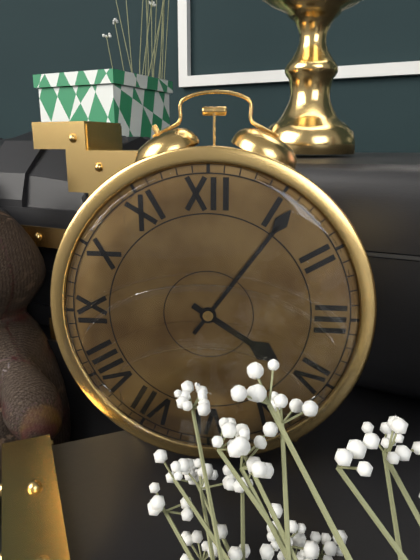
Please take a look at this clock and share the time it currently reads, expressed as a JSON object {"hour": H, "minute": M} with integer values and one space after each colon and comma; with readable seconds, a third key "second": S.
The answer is {"hour": 4, "minute": 6}
